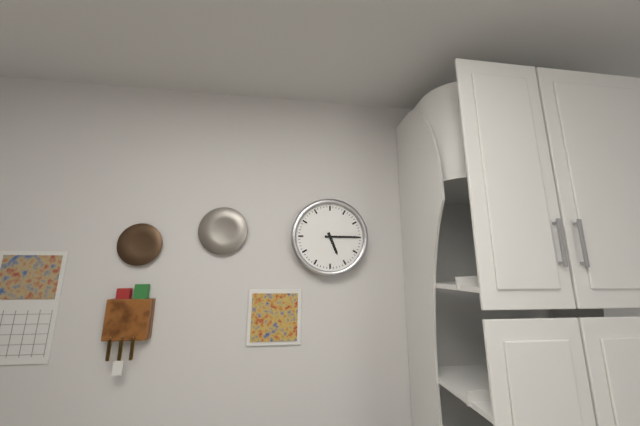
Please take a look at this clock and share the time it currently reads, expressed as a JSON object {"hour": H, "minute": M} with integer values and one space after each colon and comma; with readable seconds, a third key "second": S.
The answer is {"hour": 5, "minute": 15}
